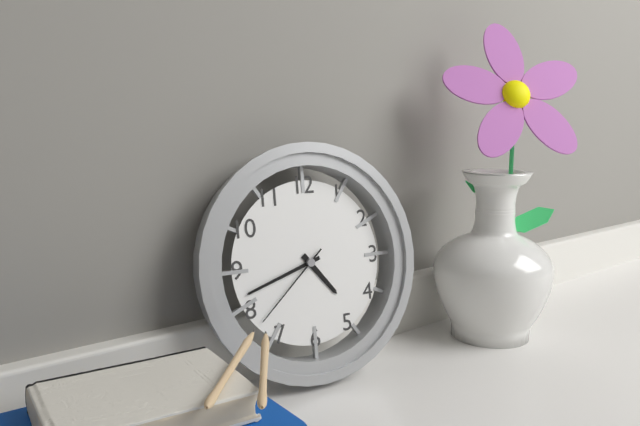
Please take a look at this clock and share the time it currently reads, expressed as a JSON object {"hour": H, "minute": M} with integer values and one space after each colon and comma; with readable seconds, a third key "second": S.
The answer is {"hour": 4, "minute": 42, "second": 38}
